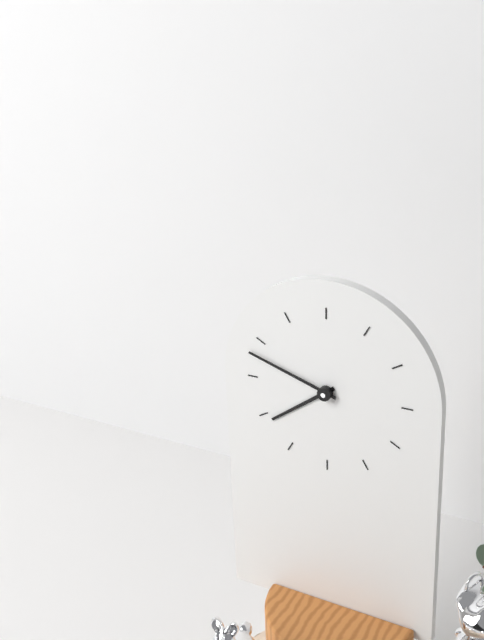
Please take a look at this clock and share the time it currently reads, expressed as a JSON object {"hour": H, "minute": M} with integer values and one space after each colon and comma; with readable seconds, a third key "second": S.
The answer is {"hour": 7, "minute": 48}
